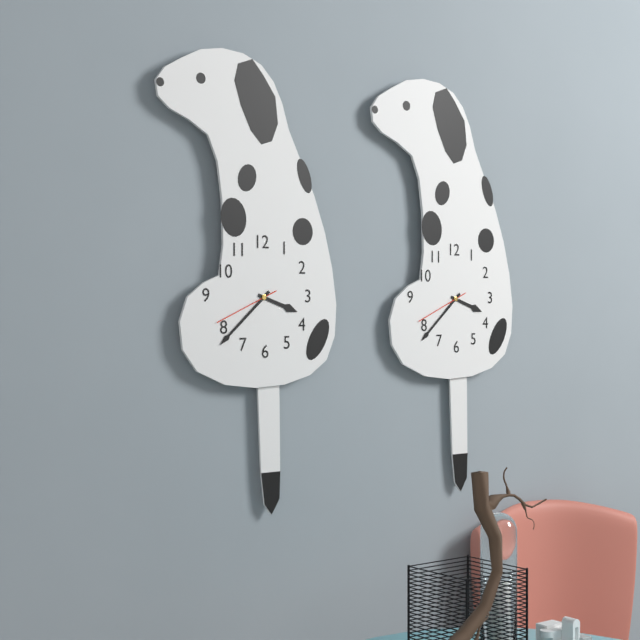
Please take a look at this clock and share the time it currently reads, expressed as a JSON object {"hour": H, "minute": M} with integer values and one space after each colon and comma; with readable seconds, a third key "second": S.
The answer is {"hour": 3, "minute": 38, "second": 41}
